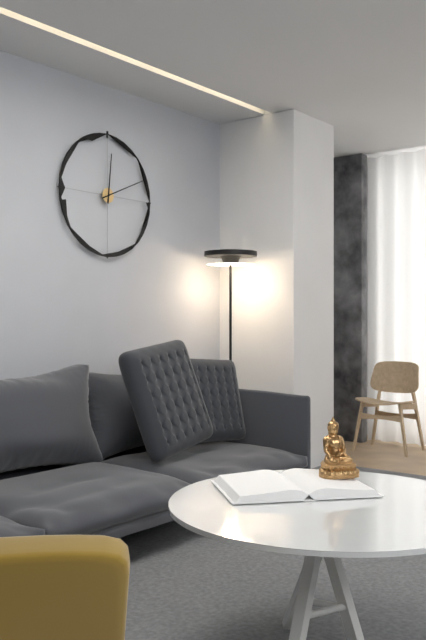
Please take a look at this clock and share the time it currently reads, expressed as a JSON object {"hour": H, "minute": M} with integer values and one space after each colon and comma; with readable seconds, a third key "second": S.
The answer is {"hour": 12, "minute": 11}
